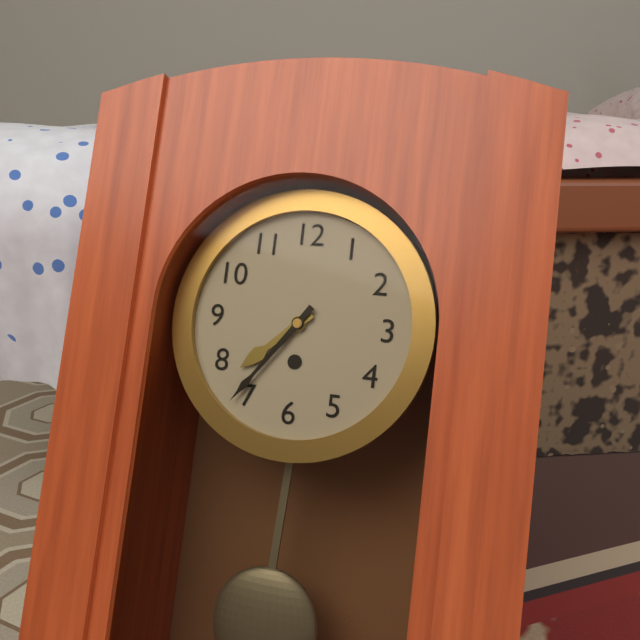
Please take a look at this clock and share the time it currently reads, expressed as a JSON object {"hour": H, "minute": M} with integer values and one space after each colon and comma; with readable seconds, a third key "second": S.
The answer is {"hour": 7, "minute": 36}
